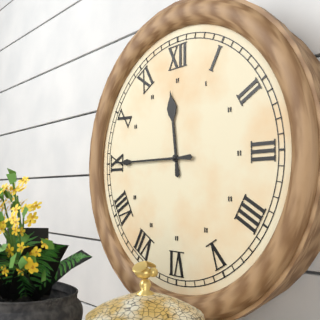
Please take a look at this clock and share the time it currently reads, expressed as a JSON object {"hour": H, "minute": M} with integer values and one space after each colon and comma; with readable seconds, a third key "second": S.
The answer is {"hour": 11, "minute": 45}
